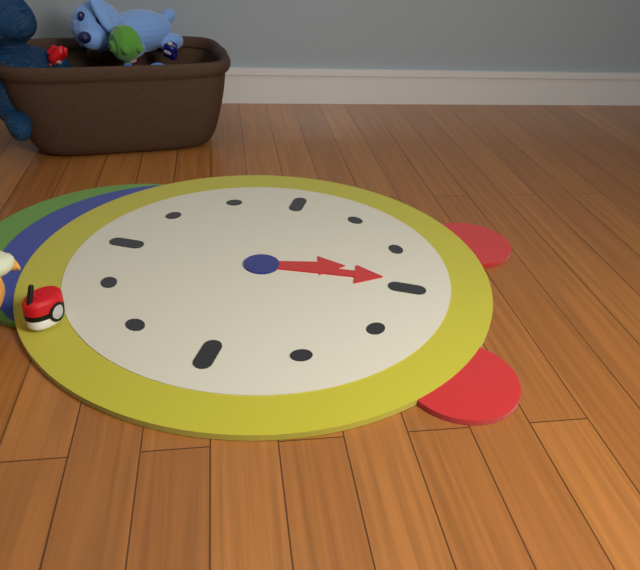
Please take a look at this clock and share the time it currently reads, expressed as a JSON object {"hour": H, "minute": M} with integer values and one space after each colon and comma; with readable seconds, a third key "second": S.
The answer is {"hour": 5, "minute": 29}
